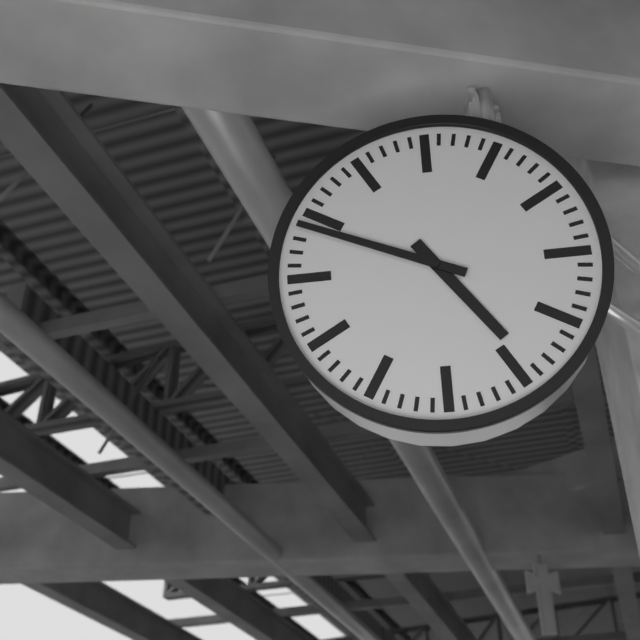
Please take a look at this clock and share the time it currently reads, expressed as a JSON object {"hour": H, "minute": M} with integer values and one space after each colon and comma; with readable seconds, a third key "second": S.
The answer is {"hour": 4, "minute": 49}
